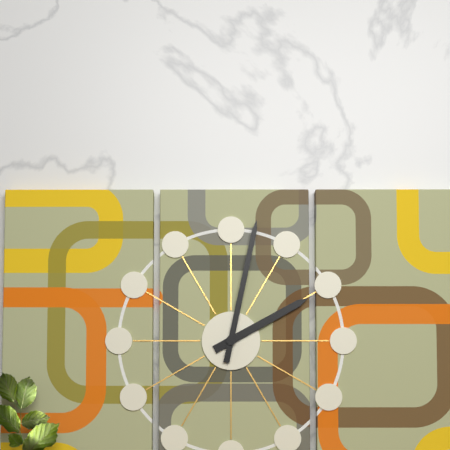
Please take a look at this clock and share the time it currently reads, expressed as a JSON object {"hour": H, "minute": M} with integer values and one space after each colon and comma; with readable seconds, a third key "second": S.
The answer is {"hour": 2, "minute": 2}
